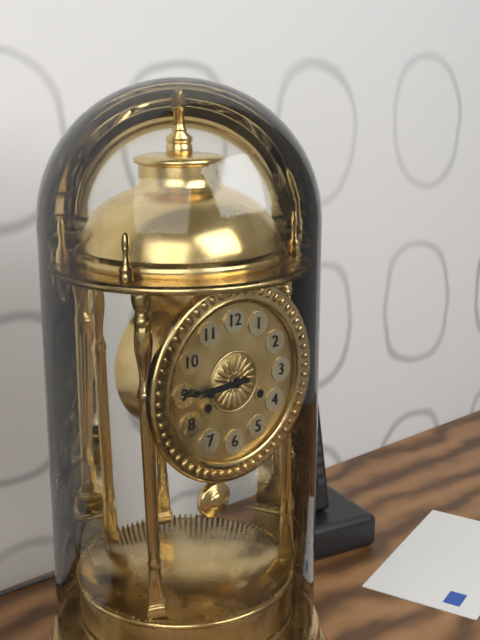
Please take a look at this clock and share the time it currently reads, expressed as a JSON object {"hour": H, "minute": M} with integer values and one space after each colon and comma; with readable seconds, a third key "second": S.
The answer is {"hour": 8, "minute": 45}
